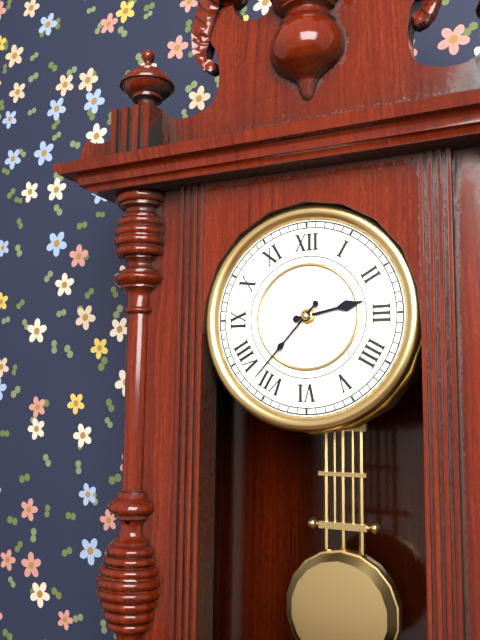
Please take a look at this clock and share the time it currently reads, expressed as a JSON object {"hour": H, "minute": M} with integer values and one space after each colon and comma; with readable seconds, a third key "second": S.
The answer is {"hour": 2, "minute": 37}
